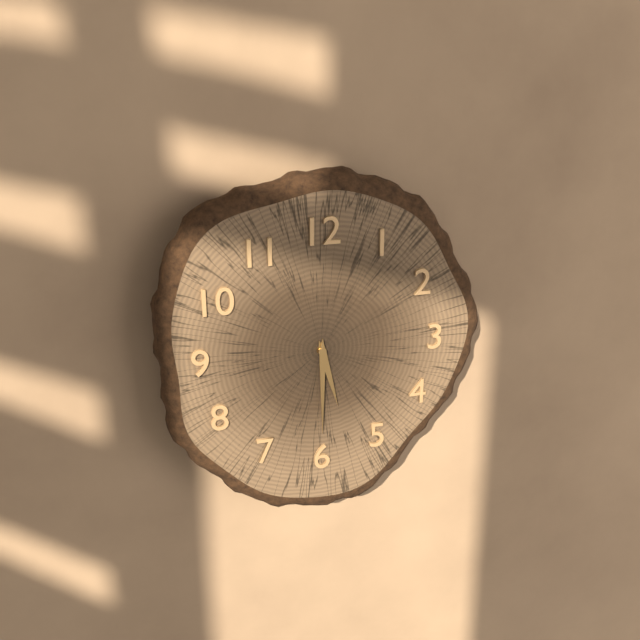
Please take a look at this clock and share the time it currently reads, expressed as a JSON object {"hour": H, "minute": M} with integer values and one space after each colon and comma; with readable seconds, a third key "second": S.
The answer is {"hour": 5, "minute": 30}
